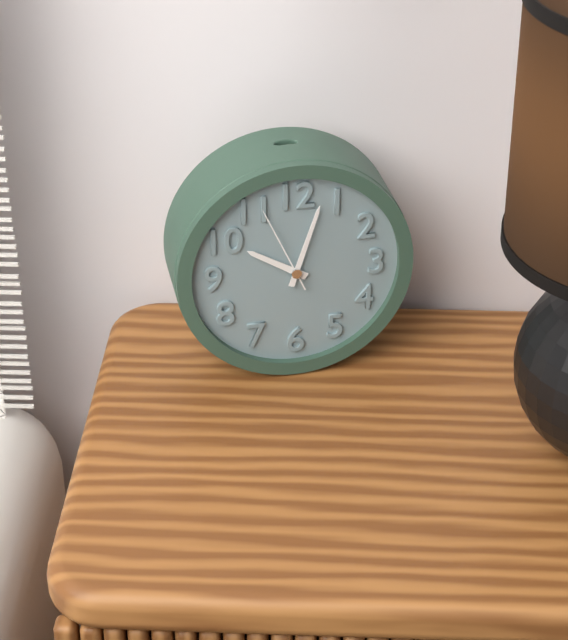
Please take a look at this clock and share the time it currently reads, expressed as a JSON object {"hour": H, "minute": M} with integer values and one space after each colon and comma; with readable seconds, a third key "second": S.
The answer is {"hour": 10, "minute": 3, "second": 56}
